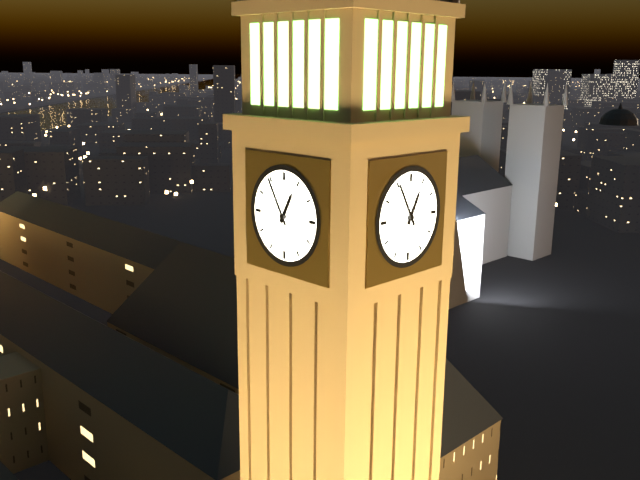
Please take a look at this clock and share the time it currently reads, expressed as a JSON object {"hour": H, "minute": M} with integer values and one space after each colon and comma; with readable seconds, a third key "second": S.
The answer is {"hour": 12, "minute": 55}
